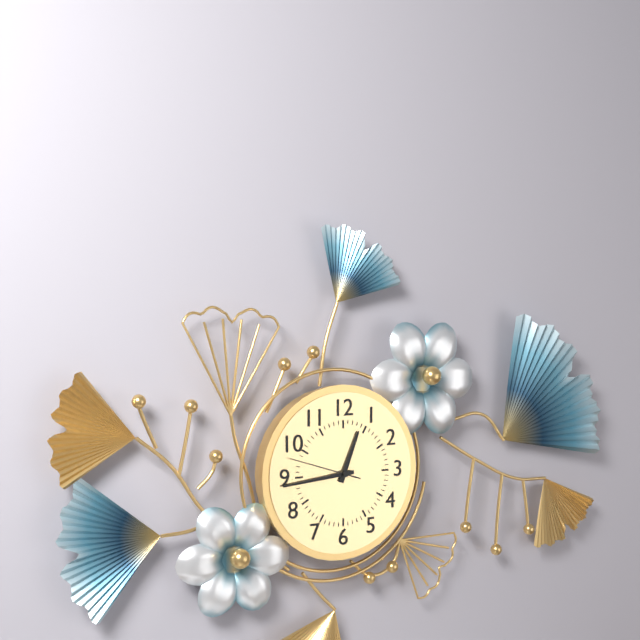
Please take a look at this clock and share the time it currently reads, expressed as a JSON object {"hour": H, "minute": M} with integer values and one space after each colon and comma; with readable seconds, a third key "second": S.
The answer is {"hour": 12, "minute": 44, "second": 48}
